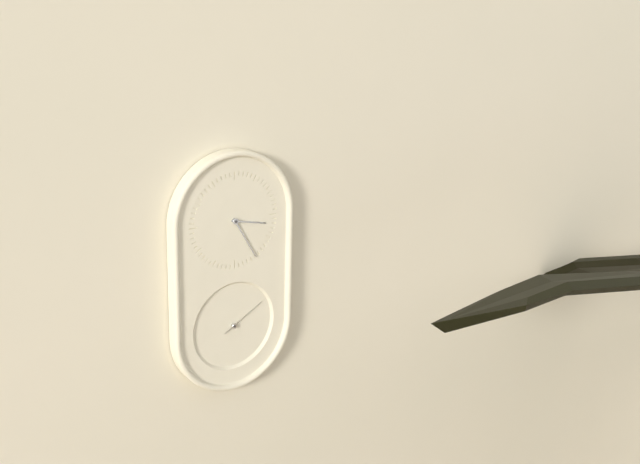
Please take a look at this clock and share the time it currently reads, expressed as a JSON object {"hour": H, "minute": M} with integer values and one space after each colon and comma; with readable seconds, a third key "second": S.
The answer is {"hour": 3, "minute": 25}
